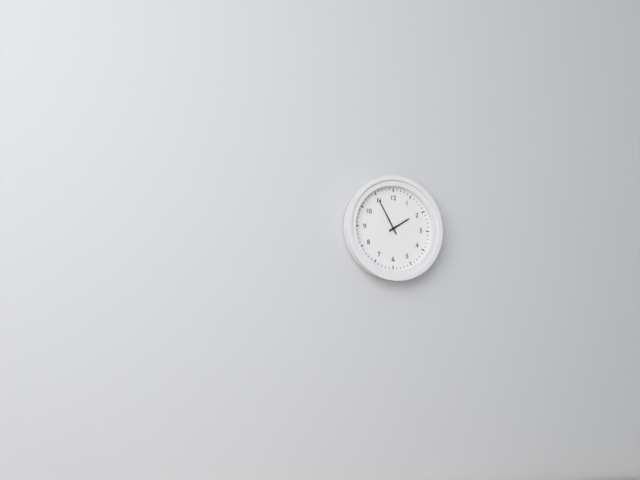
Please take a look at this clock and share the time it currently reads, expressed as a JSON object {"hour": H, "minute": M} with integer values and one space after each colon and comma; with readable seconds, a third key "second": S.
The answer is {"hour": 1, "minute": 55}
